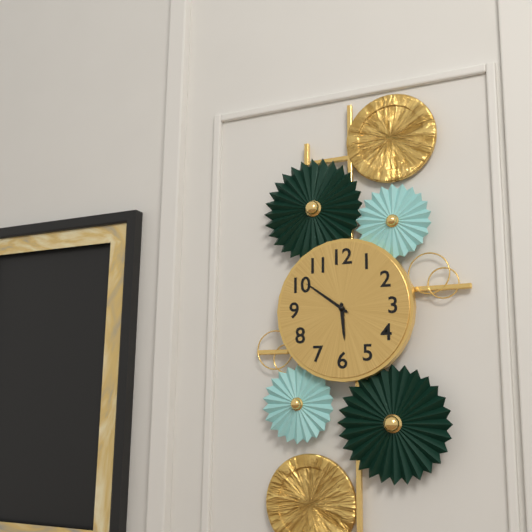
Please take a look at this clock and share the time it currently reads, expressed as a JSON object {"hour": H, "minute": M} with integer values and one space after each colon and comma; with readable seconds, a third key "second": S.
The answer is {"hour": 5, "minute": 51}
